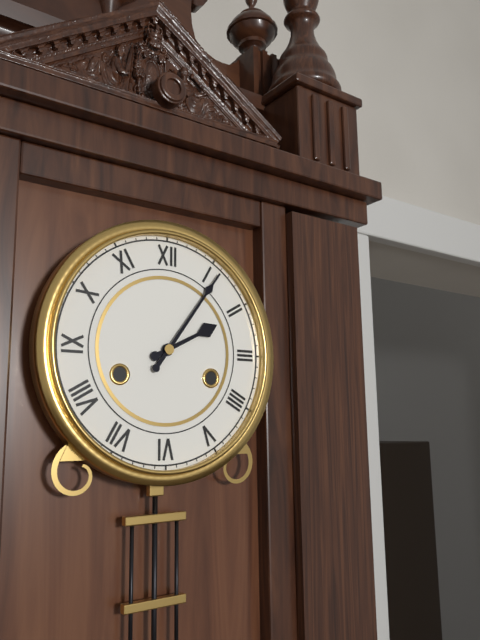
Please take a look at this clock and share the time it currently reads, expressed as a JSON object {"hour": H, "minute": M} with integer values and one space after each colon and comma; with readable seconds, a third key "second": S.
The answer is {"hour": 2, "minute": 6}
